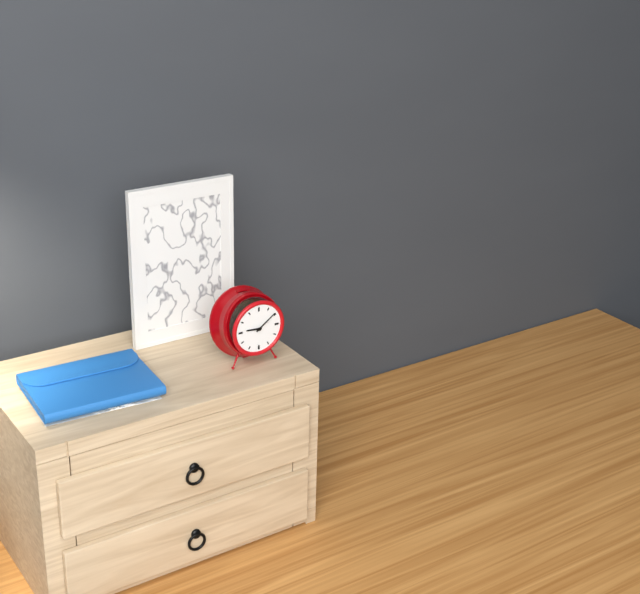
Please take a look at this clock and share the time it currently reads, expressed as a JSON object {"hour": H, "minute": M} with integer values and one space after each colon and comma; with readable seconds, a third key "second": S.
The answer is {"hour": 9, "minute": 9}
